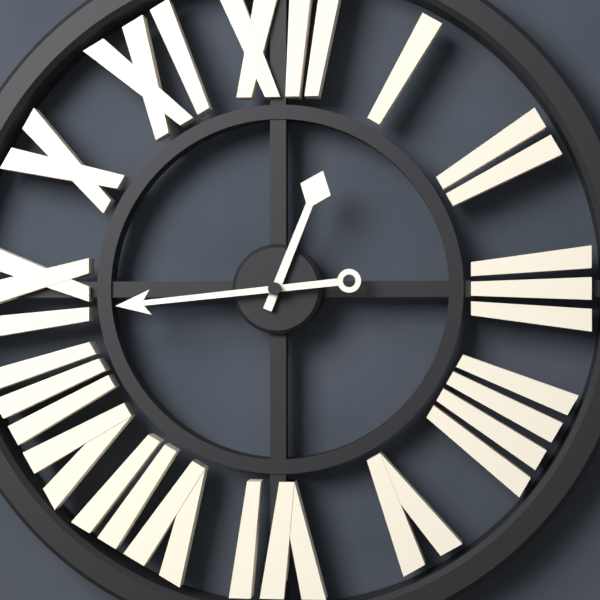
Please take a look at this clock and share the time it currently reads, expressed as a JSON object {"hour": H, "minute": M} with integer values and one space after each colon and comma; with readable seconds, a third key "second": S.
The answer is {"hour": 12, "minute": 44}
